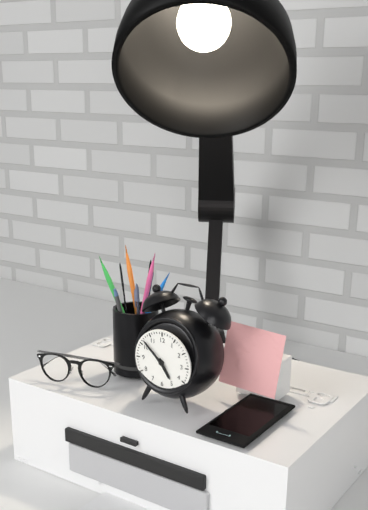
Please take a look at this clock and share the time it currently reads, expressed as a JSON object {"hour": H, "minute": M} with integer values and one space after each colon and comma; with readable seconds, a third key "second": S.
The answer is {"hour": 4, "minute": 52}
